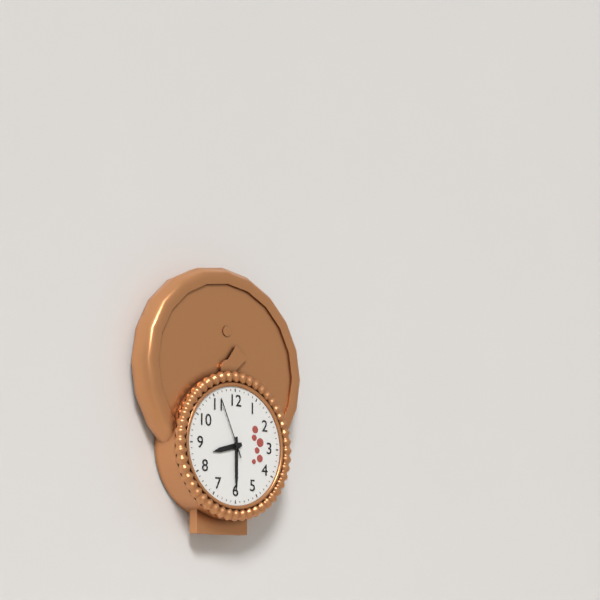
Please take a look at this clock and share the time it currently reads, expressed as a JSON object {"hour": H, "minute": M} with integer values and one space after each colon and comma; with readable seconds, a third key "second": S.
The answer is {"hour": 8, "minute": 30, "second": 56}
